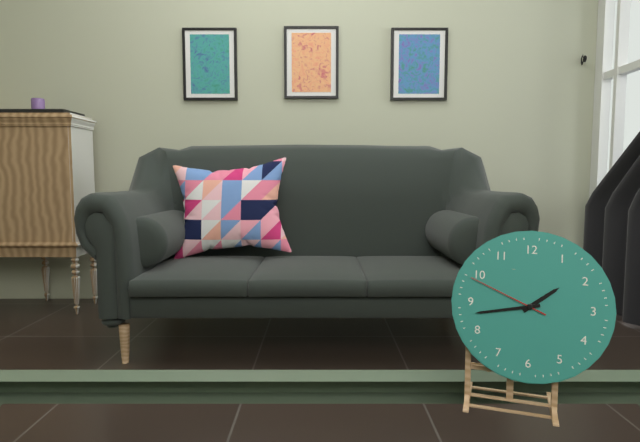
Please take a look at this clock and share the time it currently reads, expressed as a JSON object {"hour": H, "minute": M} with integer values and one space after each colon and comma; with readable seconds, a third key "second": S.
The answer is {"hour": 1, "minute": 43, "second": 49}
